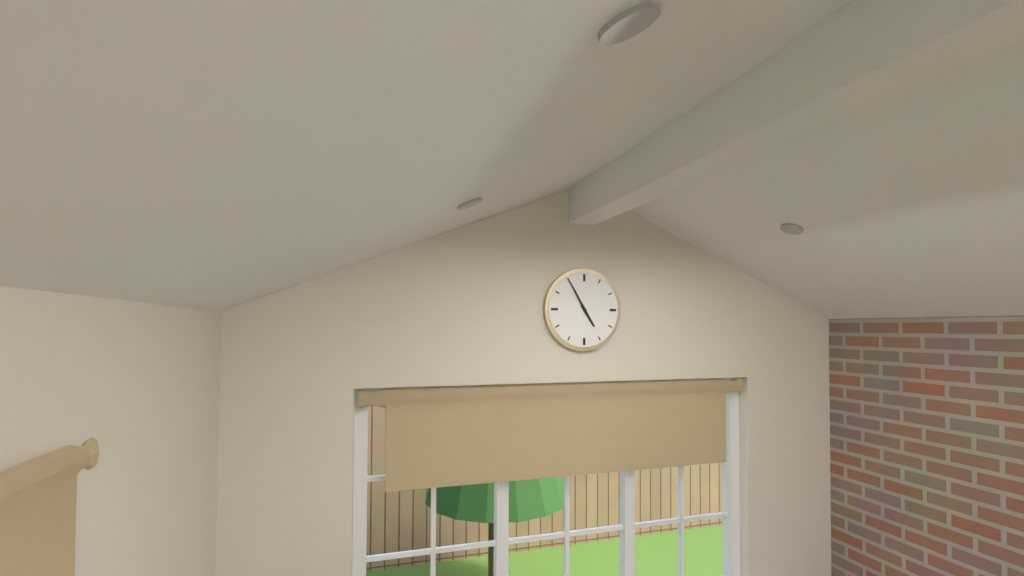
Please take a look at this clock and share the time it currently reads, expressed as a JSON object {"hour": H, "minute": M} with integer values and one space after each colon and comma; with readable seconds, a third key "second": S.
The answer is {"hour": 4, "minute": 55}
